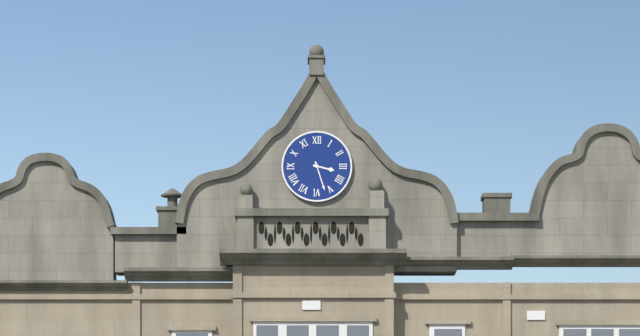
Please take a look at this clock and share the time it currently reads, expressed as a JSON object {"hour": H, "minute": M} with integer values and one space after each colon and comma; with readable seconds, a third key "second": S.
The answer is {"hour": 3, "minute": 27}
